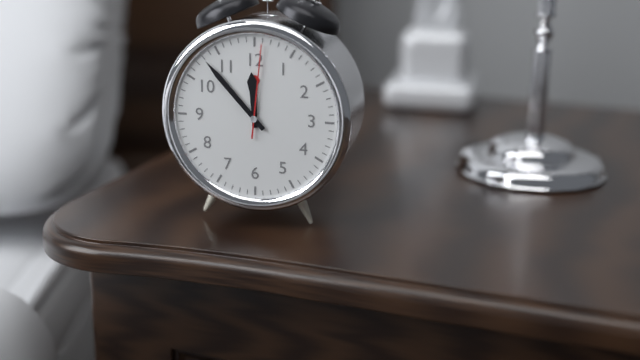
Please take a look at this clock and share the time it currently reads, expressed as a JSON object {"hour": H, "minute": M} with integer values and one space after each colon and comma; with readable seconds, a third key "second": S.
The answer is {"hour": 11, "minute": 53, "second": 1}
